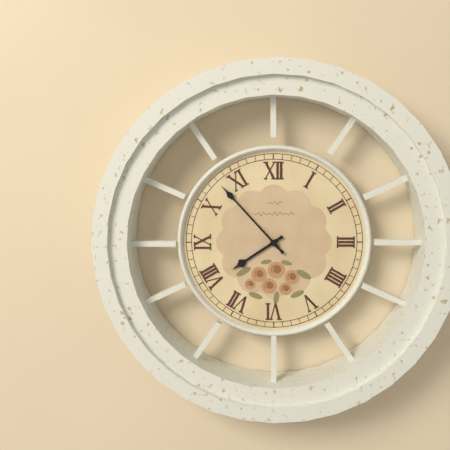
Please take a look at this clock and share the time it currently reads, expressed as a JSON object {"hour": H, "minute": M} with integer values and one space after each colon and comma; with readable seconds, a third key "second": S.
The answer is {"hour": 7, "minute": 53}
